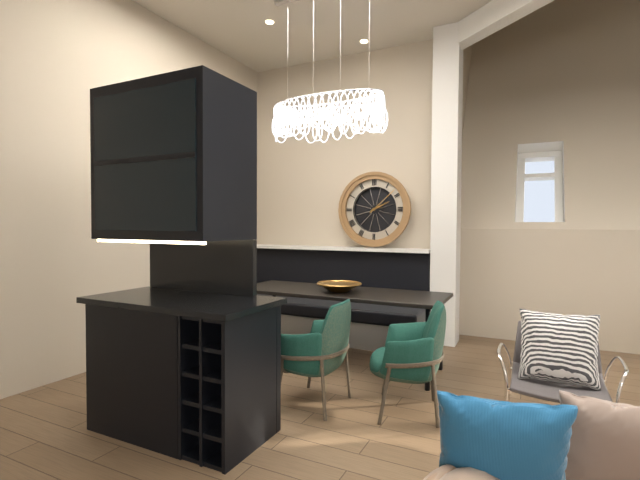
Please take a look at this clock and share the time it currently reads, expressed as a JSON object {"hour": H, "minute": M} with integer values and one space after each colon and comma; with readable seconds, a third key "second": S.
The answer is {"hour": 2, "minute": 8}
